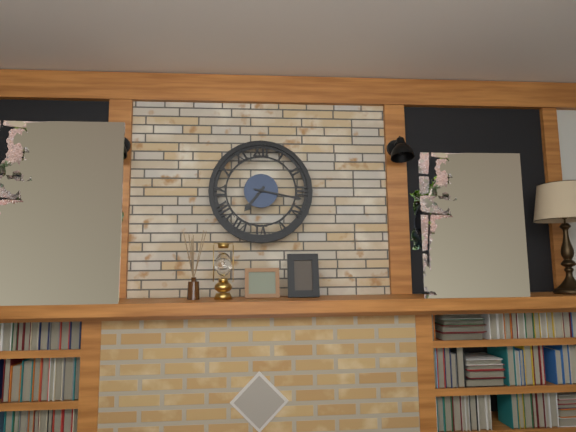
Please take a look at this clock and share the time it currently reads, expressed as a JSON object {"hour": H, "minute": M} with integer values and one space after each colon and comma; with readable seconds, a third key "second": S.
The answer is {"hour": 7, "minute": 17}
